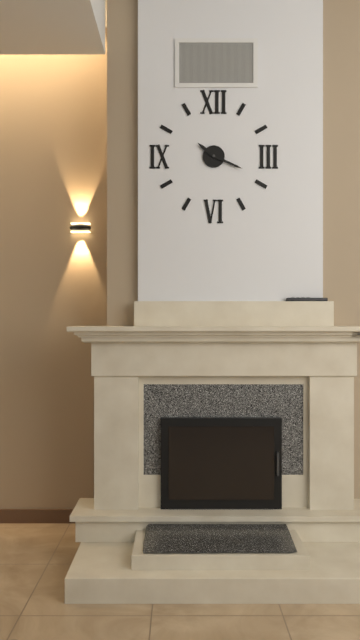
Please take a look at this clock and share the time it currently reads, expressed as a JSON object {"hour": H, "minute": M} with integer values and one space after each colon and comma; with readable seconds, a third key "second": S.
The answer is {"hour": 10, "minute": 19}
